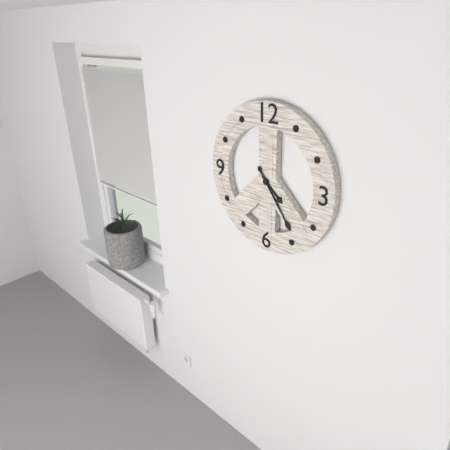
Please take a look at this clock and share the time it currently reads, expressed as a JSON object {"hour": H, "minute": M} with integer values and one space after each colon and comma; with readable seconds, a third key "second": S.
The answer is {"hour": 4, "minute": 24}
